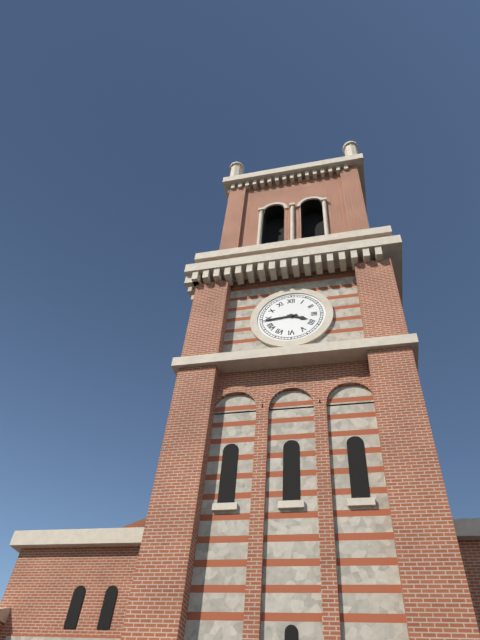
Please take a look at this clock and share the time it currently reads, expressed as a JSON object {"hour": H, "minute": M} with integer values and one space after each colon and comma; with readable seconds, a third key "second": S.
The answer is {"hour": 3, "minute": 44}
